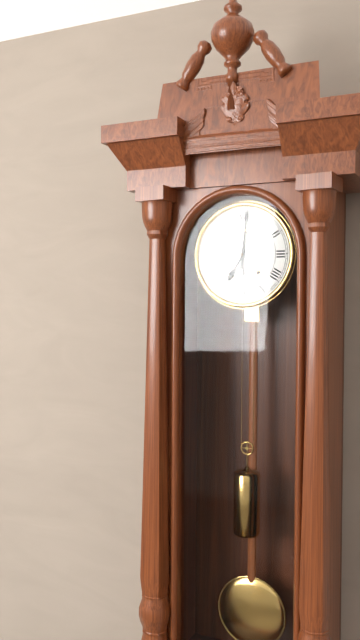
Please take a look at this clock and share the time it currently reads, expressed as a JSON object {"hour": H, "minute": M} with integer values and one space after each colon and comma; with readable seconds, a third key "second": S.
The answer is {"hour": 7, "minute": 1}
